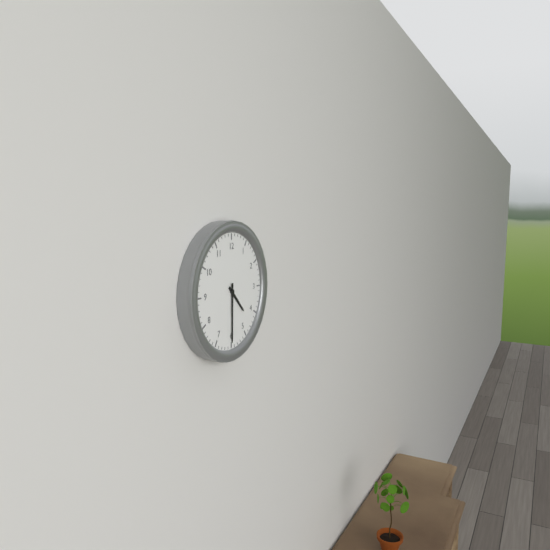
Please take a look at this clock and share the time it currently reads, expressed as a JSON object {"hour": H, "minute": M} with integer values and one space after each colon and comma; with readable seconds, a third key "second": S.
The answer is {"hour": 4, "minute": 30}
